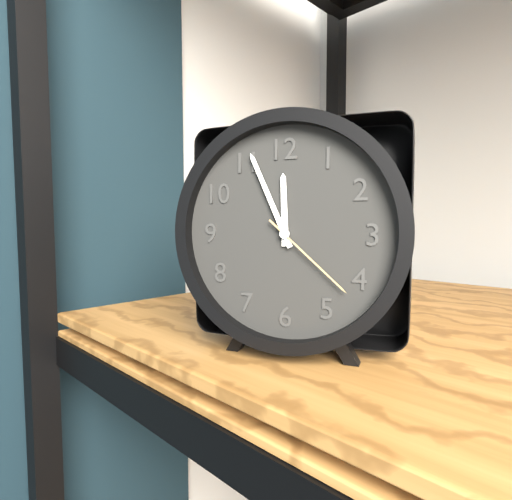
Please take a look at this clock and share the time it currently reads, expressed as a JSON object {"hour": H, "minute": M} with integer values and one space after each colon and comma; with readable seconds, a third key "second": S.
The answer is {"hour": 11, "minute": 56, "second": 22}
